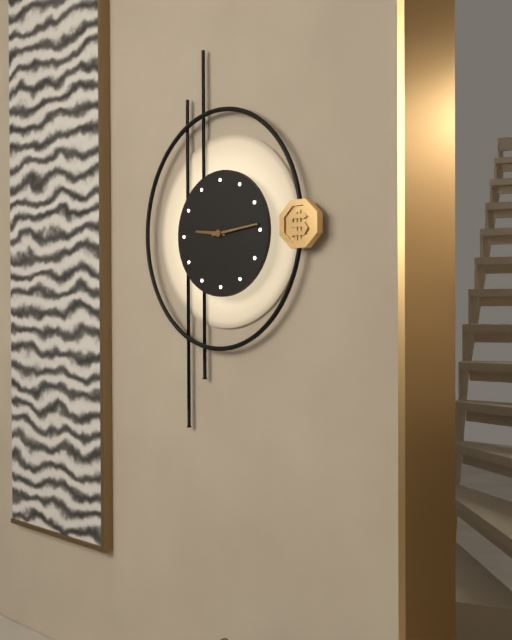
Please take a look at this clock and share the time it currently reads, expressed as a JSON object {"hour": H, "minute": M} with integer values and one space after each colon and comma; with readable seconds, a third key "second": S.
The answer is {"hour": 9, "minute": 14}
